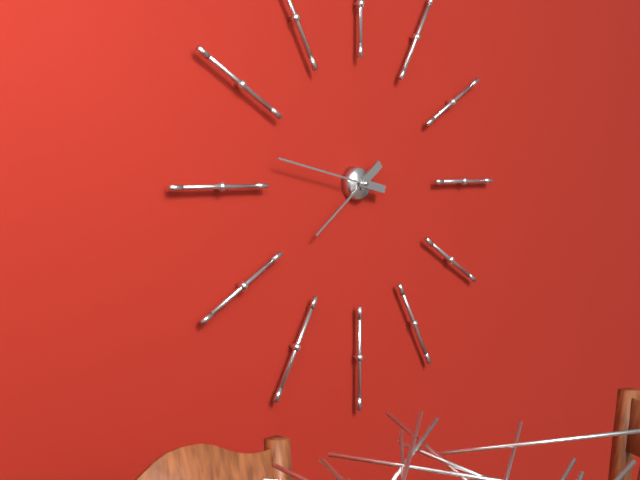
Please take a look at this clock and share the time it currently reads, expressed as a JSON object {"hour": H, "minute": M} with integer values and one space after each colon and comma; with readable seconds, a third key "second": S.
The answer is {"hour": 7, "minute": 47}
